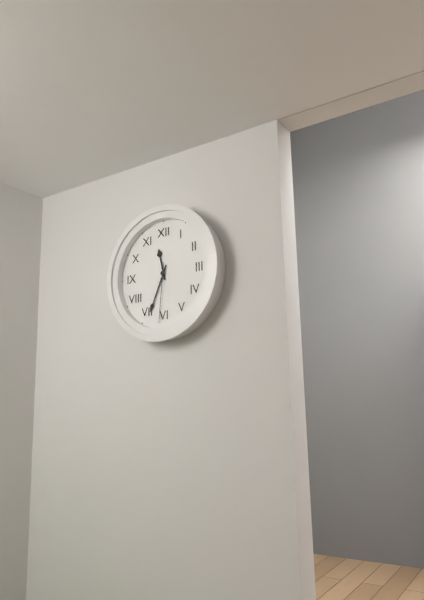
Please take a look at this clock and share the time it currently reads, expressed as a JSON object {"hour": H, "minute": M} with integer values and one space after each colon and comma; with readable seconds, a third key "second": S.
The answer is {"hour": 11, "minute": 34, "second": 31}
